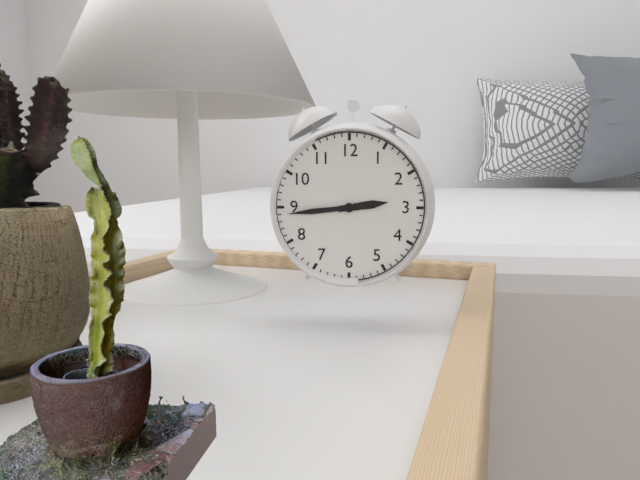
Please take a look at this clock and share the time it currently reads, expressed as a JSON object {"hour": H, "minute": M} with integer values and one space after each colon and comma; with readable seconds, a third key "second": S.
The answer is {"hour": 2, "minute": 44}
